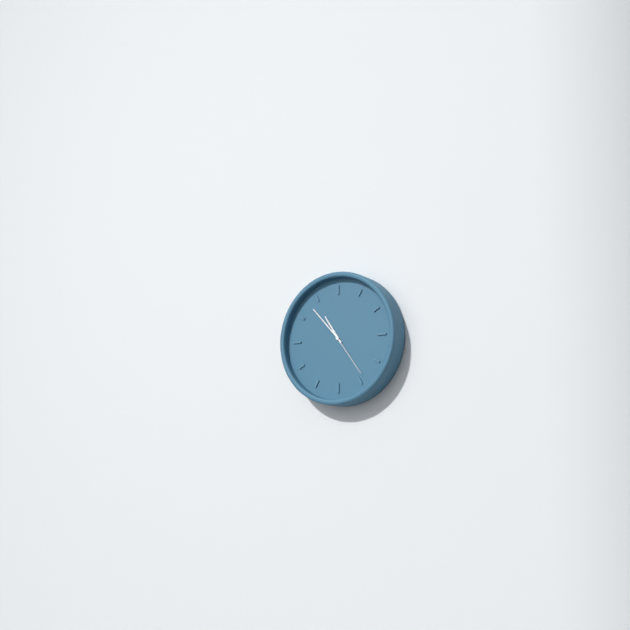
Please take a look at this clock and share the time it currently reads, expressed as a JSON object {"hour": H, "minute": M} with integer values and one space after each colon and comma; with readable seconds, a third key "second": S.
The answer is {"hour": 10, "minute": 53, "second": 24}
